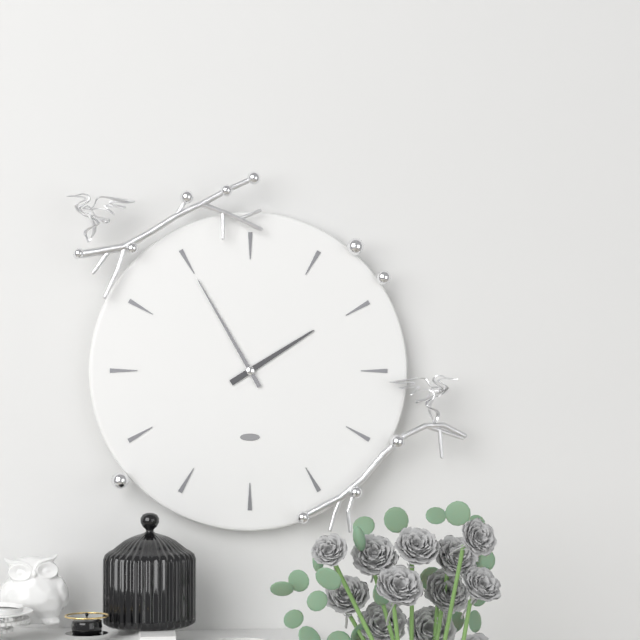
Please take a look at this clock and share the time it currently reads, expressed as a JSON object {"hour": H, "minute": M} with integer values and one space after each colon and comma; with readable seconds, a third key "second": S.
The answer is {"hour": 1, "minute": 55}
